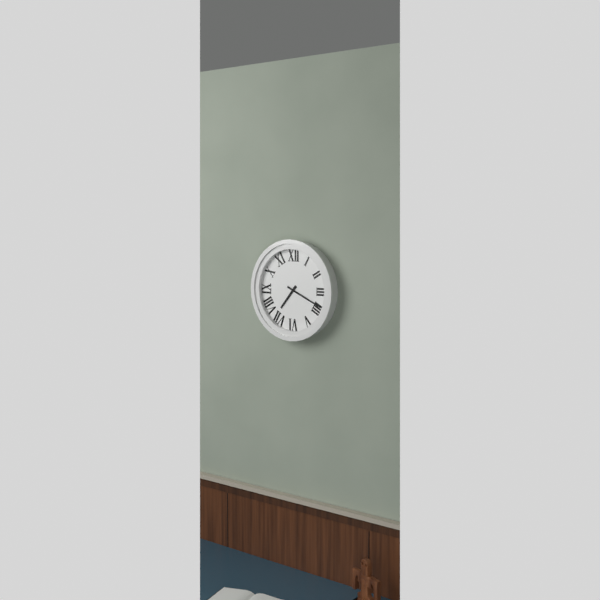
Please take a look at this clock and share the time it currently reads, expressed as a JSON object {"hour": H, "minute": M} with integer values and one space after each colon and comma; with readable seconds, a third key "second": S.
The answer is {"hour": 7, "minute": 19}
